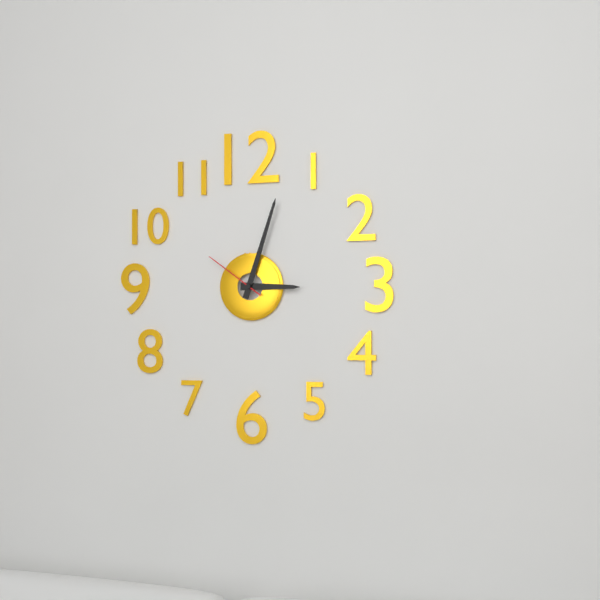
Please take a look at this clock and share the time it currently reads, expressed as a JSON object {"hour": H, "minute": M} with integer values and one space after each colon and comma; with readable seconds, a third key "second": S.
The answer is {"hour": 3, "minute": 3, "second": 51}
